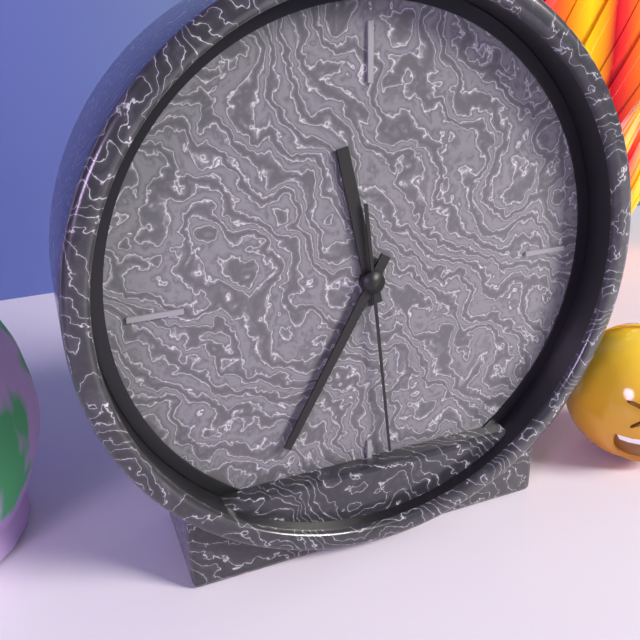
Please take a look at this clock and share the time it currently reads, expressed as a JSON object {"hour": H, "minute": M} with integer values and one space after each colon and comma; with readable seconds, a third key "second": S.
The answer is {"hour": 11, "minute": 35, "second": 29}
